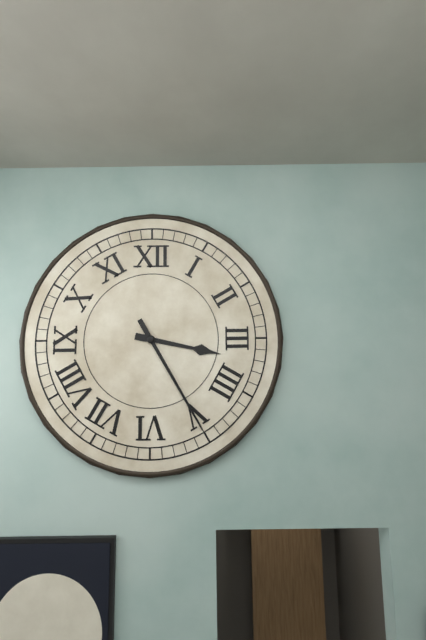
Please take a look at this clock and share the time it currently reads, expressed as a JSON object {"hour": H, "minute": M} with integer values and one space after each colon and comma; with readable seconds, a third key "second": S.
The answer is {"hour": 3, "minute": 25}
